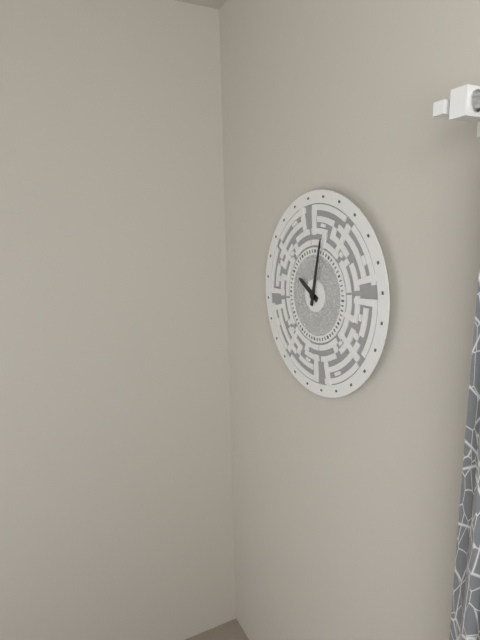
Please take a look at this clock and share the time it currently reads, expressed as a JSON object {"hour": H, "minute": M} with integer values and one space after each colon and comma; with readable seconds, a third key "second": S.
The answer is {"hour": 10, "minute": 2}
